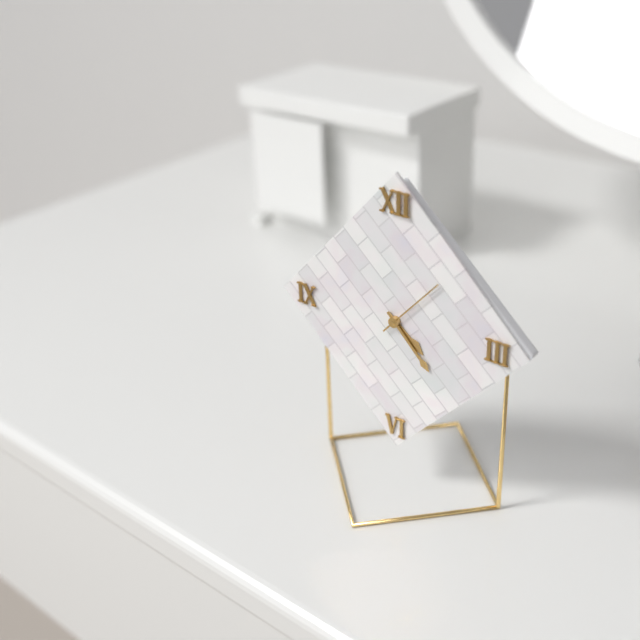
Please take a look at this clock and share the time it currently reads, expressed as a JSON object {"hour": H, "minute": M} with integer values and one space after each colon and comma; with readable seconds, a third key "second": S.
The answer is {"hour": 4, "minute": 23, "second": 7}
